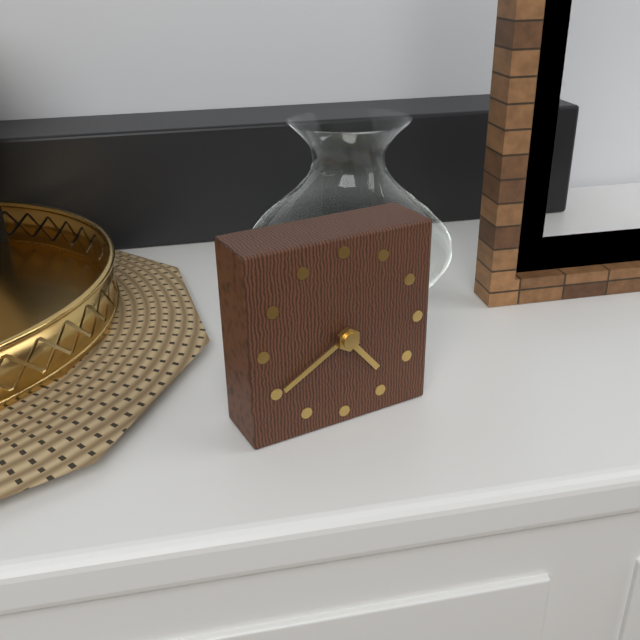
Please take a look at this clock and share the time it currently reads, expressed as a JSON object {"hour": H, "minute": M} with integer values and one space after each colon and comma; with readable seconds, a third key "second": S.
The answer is {"hour": 4, "minute": 40}
